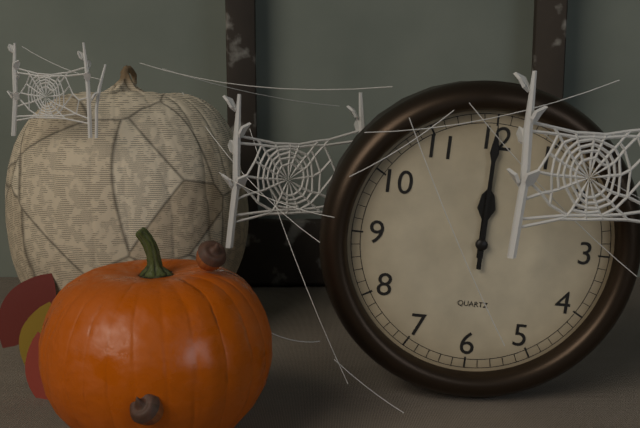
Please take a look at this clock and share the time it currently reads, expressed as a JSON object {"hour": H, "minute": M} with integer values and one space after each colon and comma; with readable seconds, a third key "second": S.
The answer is {"hour": 12, "minute": 0}
